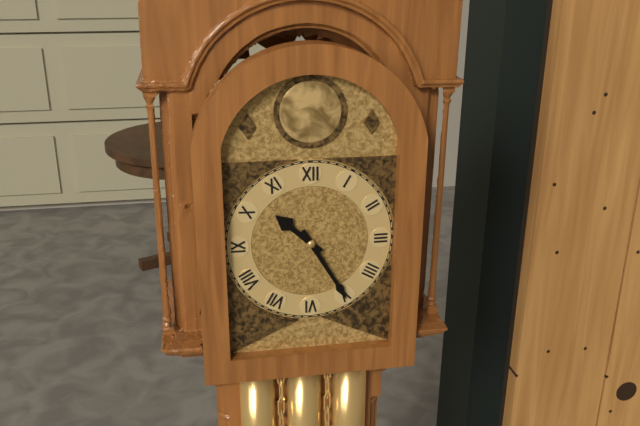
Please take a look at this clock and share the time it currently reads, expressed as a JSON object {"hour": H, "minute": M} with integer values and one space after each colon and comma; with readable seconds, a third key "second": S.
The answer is {"hour": 10, "minute": 25}
